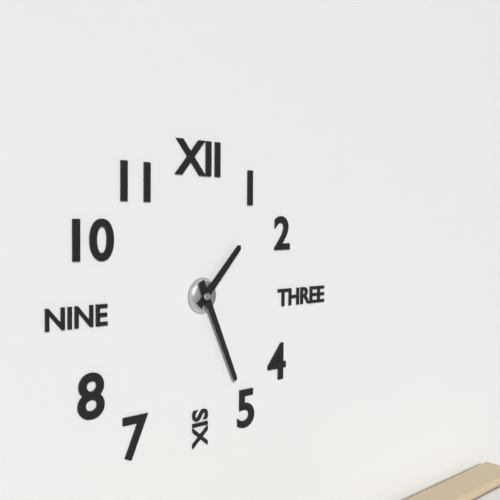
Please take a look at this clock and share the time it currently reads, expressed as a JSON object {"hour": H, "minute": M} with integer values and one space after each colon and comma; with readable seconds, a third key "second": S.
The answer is {"hour": 1, "minute": 26}
